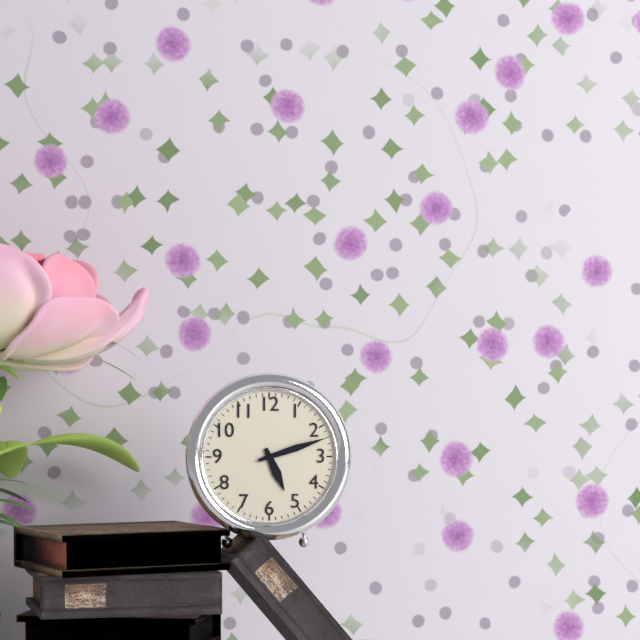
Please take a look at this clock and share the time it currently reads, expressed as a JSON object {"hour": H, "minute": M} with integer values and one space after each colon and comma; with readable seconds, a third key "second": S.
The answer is {"hour": 5, "minute": 12}
